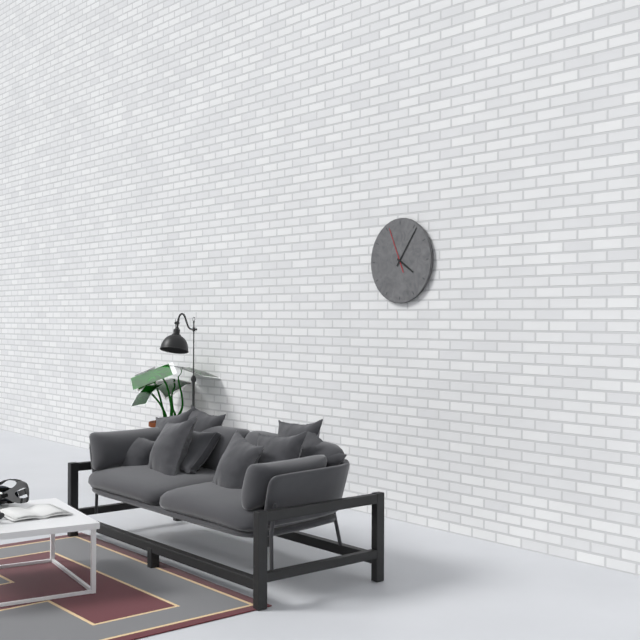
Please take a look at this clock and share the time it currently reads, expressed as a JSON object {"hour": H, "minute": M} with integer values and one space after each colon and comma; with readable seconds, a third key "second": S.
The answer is {"hour": 4, "minute": 6}
